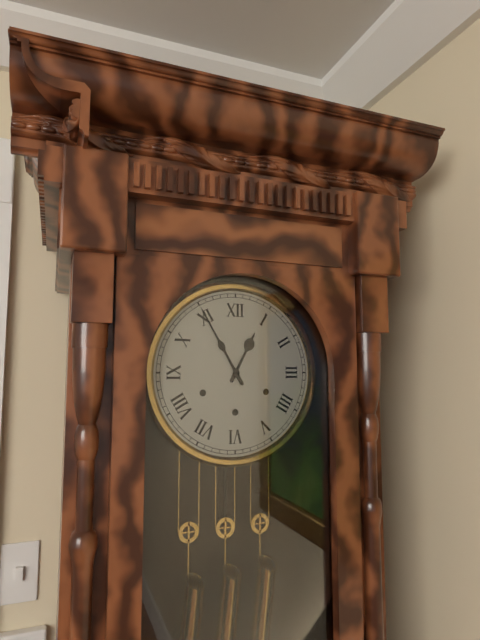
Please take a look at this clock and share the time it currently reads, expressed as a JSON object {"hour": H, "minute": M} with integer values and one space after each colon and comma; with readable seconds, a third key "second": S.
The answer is {"hour": 12, "minute": 55}
